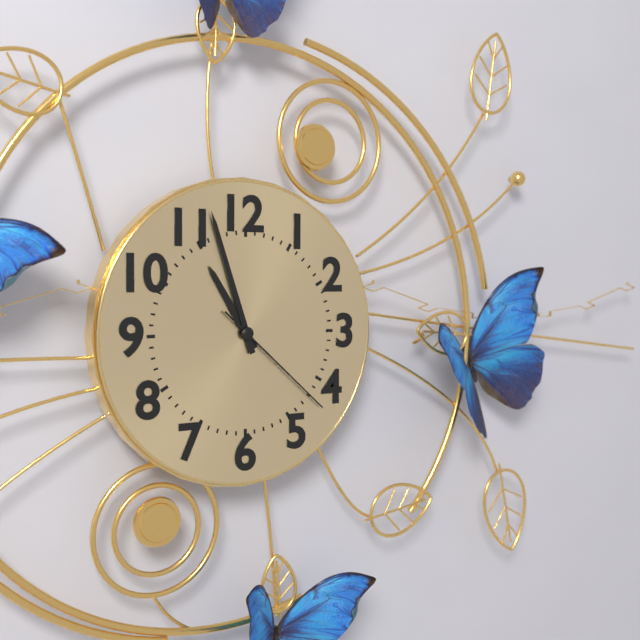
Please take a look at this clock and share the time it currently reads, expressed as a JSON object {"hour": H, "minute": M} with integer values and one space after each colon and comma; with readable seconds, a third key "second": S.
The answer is {"hour": 10, "minute": 57, "second": 22}
